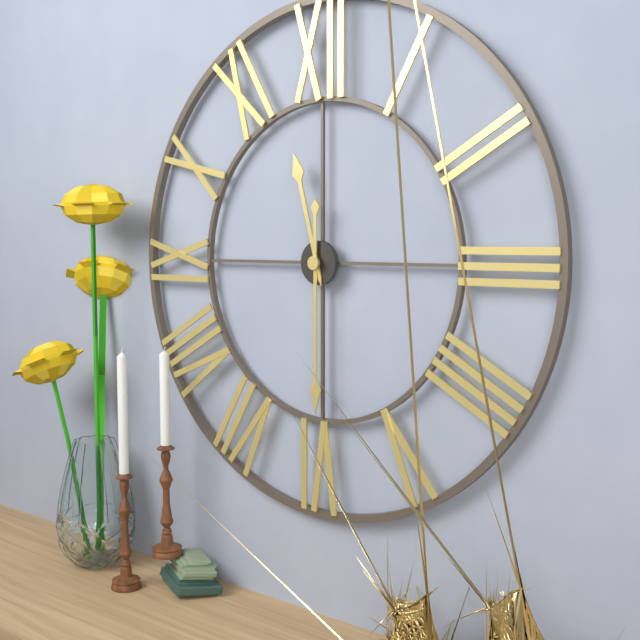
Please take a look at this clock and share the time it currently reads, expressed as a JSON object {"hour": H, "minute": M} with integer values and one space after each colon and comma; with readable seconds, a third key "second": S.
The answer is {"hour": 11, "minute": 30}
